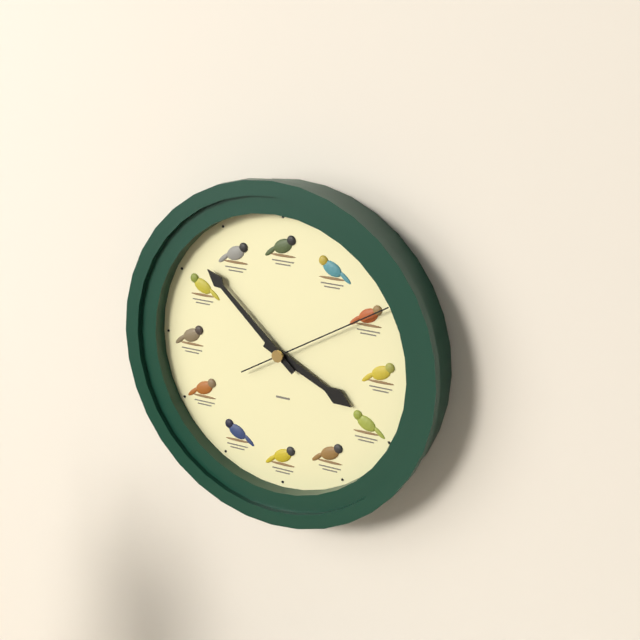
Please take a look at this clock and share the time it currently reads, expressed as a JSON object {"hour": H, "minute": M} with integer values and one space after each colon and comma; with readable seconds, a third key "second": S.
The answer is {"hour": 3, "minute": 52, "second": 10}
